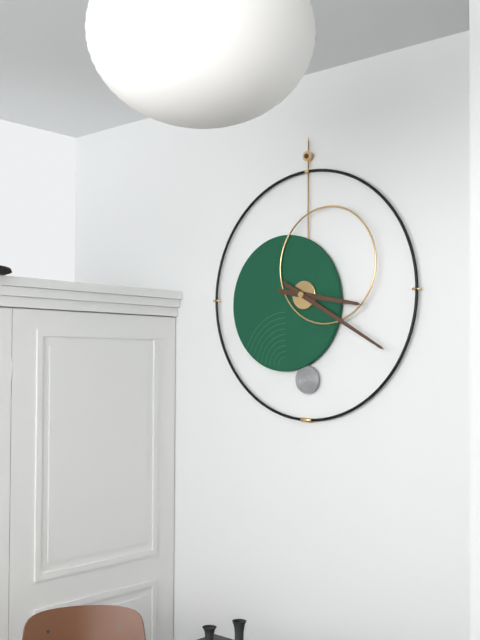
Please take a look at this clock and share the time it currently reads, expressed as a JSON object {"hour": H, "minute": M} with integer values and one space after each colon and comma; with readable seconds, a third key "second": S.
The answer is {"hour": 3, "minute": 20}
